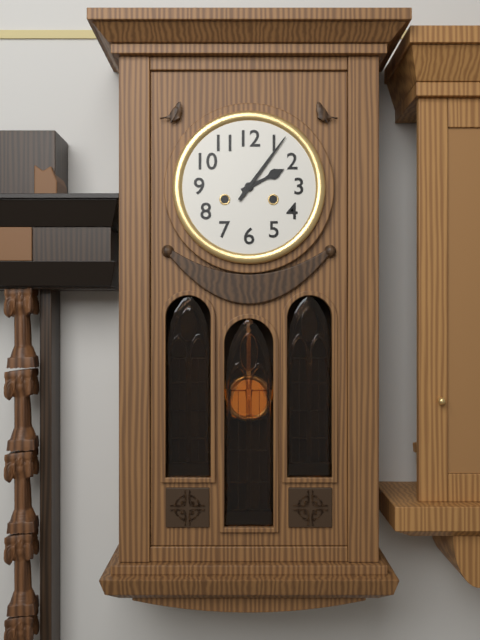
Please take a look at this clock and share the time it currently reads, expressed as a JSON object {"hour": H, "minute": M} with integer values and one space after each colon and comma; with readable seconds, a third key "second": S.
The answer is {"hour": 2, "minute": 6}
